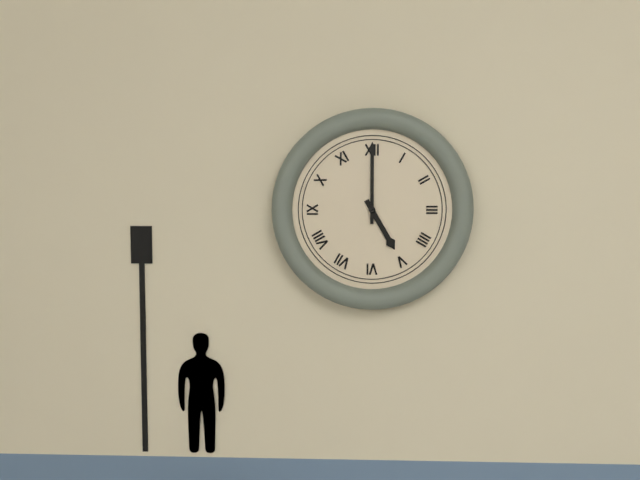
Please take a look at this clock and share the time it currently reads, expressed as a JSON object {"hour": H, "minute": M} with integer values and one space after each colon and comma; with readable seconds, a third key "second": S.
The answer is {"hour": 5, "minute": 0}
